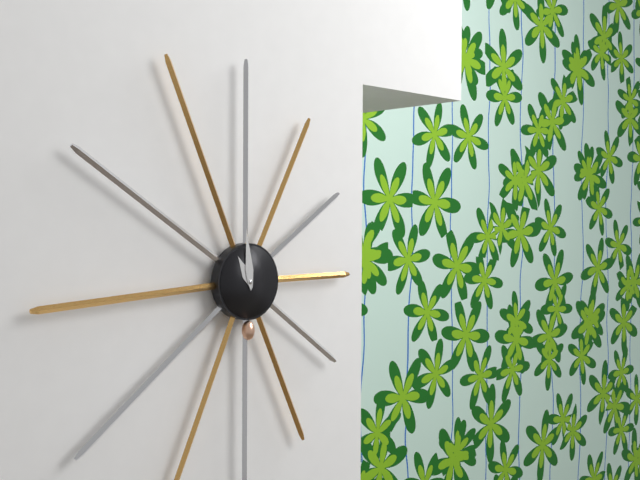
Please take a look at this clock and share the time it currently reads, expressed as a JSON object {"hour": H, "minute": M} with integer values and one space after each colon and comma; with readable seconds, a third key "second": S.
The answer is {"hour": 10, "minute": 59}
